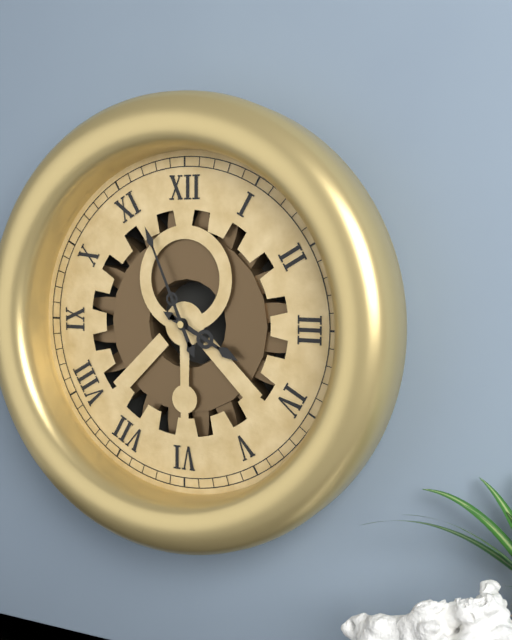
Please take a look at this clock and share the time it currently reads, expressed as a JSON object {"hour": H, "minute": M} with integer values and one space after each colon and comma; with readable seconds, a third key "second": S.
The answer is {"hour": 3, "minute": 56}
